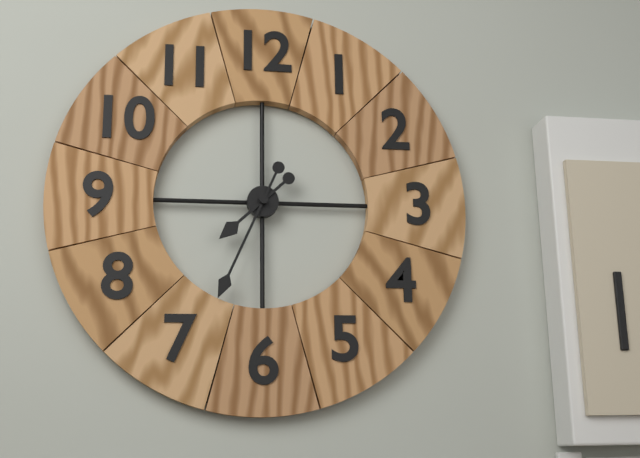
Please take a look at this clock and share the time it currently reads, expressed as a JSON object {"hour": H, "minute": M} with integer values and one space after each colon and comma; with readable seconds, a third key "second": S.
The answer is {"hour": 7, "minute": 34}
